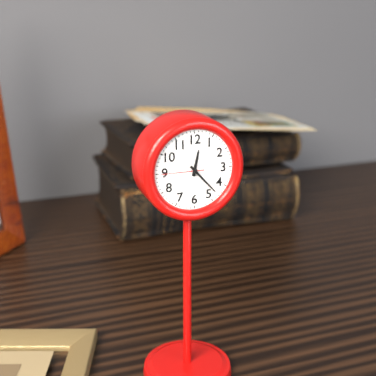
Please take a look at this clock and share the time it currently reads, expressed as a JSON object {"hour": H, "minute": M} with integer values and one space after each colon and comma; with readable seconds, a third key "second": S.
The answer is {"hour": 12, "minute": 23}
